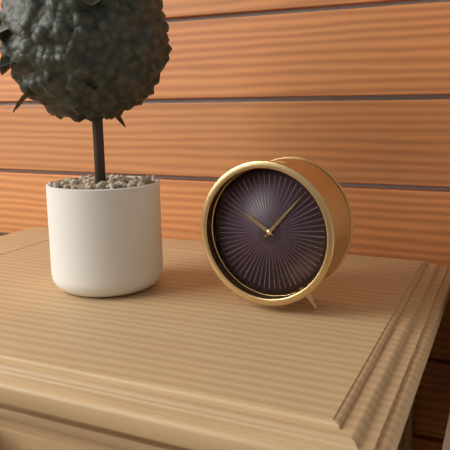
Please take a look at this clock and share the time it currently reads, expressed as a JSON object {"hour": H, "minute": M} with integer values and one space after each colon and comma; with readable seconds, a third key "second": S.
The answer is {"hour": 10, "minute": 7}
